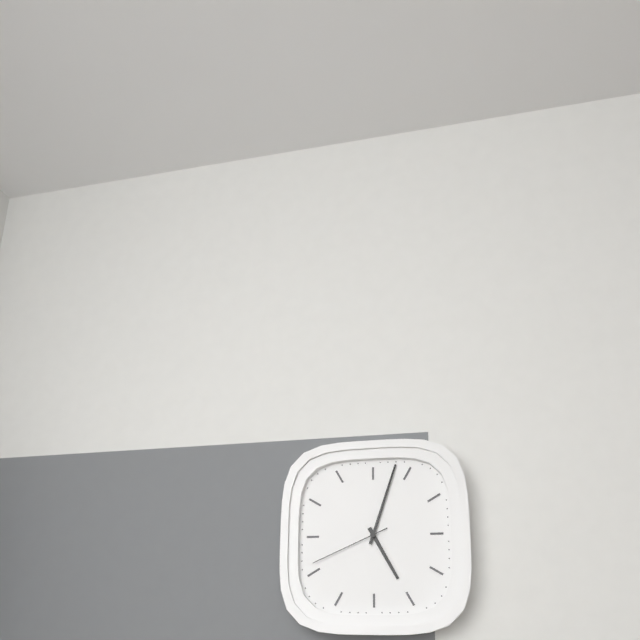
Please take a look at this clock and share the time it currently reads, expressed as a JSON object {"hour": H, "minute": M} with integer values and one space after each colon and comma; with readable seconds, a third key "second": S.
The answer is {"hour": 5, "minute": 3, "second": 41}
